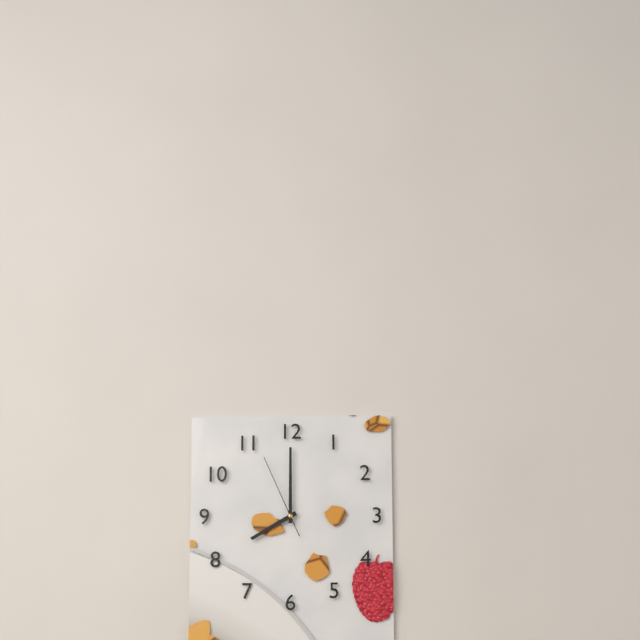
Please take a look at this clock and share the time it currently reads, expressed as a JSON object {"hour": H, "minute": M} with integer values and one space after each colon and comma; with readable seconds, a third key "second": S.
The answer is {"hour": 8, "minute": 0, "second": 56}
